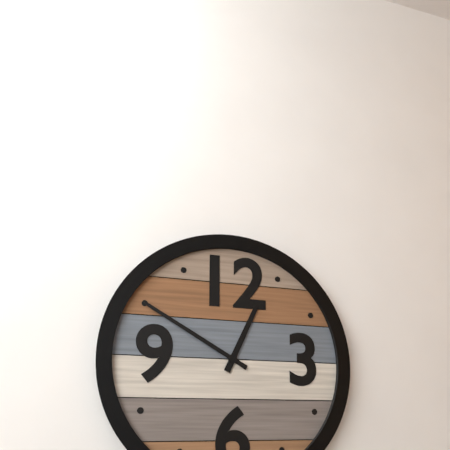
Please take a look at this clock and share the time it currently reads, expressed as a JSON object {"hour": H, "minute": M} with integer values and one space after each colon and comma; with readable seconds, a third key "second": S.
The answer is {"hour": 12, "minute": 50}
